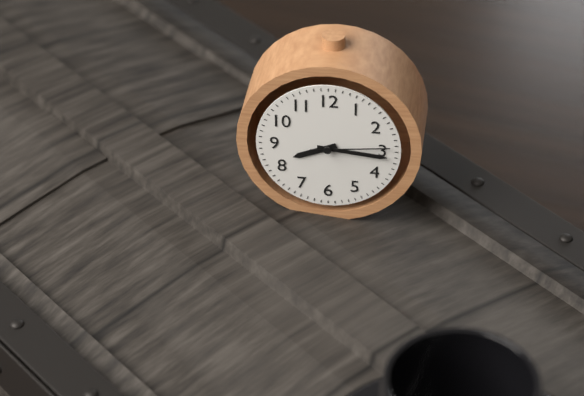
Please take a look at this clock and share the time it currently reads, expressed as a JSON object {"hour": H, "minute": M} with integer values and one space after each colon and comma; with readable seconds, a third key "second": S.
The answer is {"hour": 8, "minute": 16, "second": 14}
